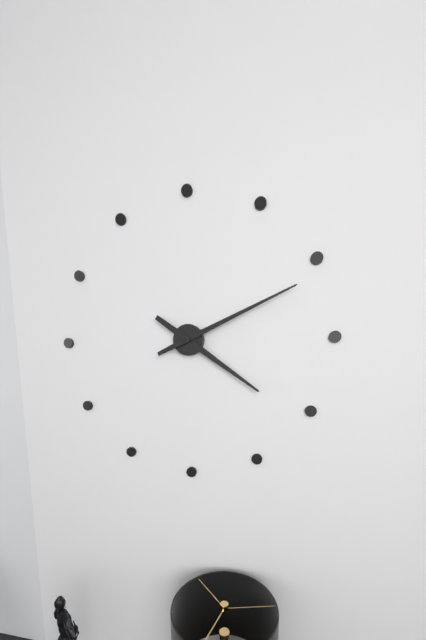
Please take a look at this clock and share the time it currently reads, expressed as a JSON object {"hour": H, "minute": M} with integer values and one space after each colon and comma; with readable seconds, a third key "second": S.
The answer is {"hour": 4, "minute": 11}
